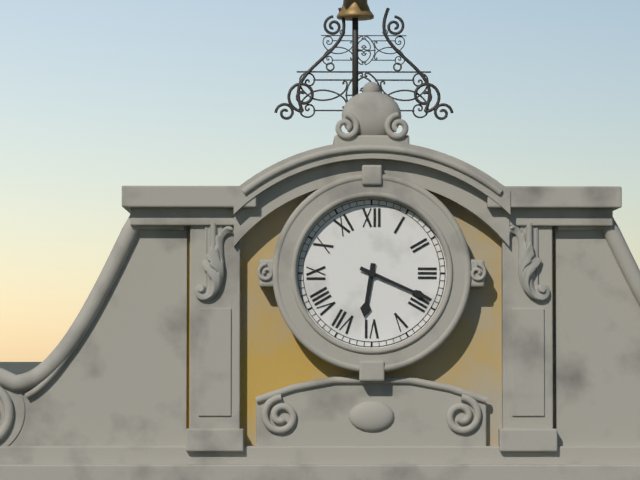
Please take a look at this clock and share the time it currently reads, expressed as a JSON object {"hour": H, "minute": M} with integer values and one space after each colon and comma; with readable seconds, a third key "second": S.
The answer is {"hour": 6, "minute": 19}
